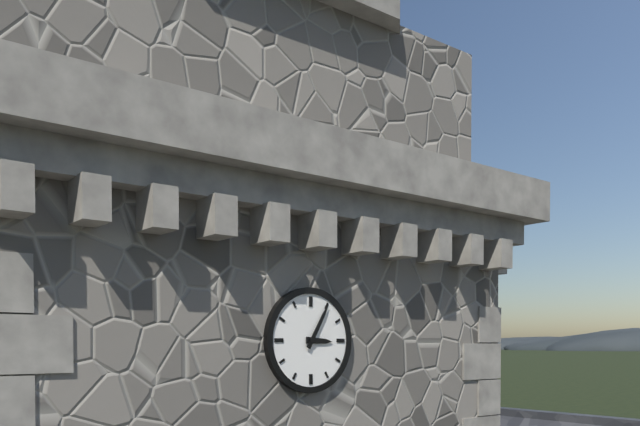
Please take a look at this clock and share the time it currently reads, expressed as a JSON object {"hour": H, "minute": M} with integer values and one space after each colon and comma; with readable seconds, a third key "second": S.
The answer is {"hour": 3, "minute": 5}
